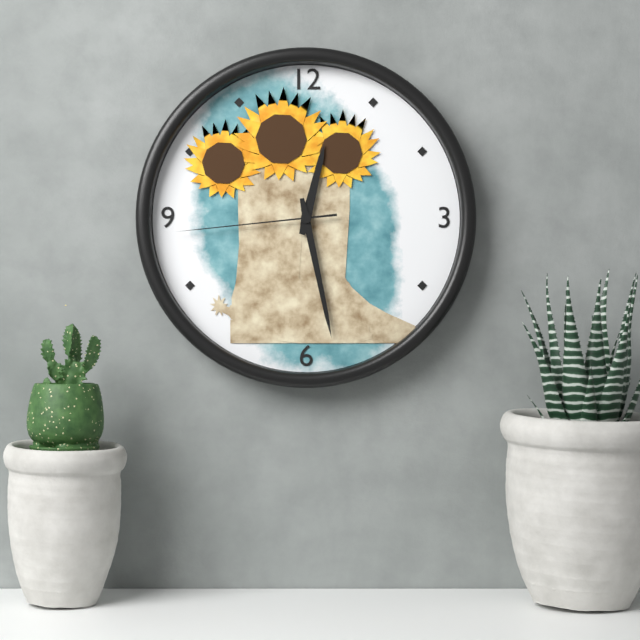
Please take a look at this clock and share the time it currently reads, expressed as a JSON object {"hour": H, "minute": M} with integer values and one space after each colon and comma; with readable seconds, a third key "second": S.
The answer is {"hour": 12, "minute": 28, "second": 44}
